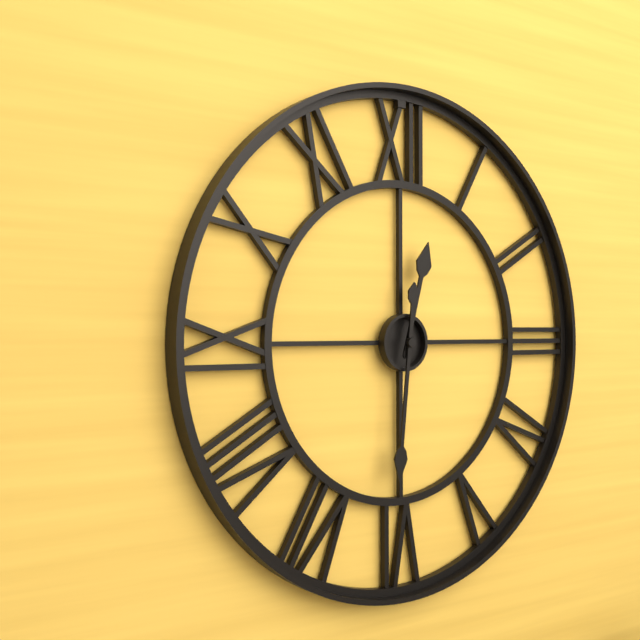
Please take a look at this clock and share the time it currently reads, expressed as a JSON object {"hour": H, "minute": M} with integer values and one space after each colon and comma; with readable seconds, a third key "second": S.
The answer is {"hour": 12, "minute": 31}
